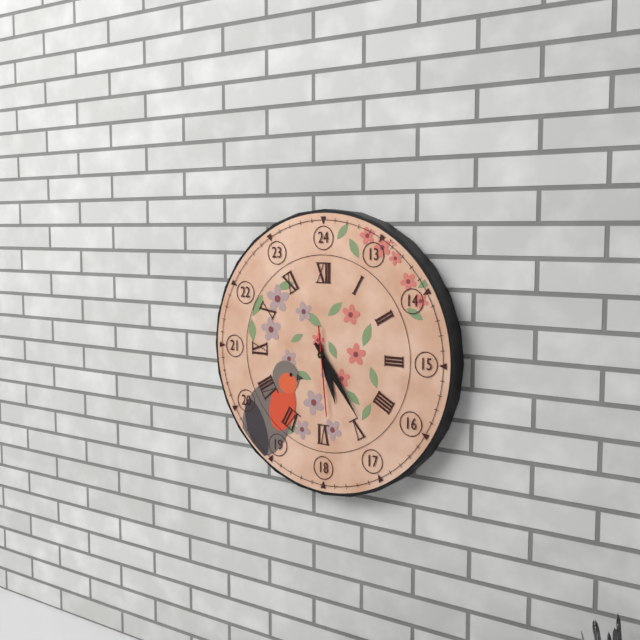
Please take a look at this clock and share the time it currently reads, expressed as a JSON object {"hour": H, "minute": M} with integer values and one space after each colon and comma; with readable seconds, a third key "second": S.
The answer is {"hour": 5, "minute": 24, "second": 29}
